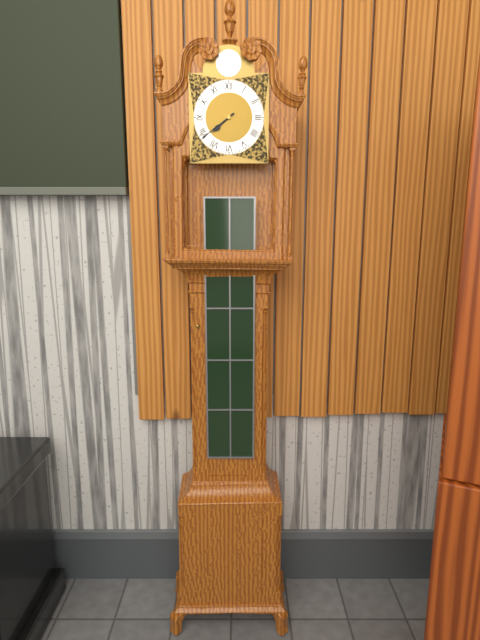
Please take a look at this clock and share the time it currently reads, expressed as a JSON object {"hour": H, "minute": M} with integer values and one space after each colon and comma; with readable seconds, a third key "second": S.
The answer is {"hour": 7, "minute": 39}
